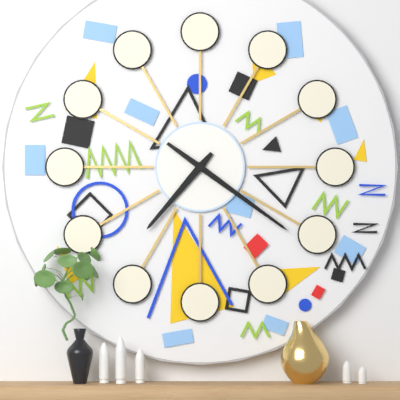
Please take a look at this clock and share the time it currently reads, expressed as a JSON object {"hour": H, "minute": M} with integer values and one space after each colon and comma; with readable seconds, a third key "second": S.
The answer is {"hour": 7, "minute": 21}
